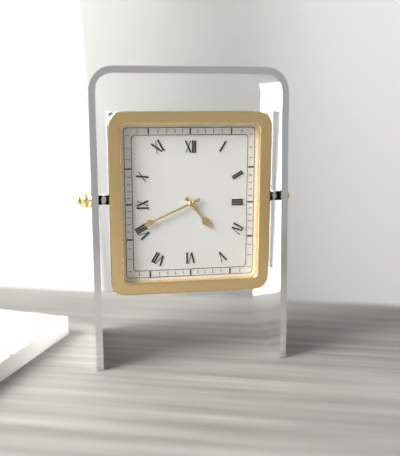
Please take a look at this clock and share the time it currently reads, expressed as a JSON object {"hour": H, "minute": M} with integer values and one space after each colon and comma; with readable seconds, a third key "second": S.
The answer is {"hour": 4, "minute": 41}
